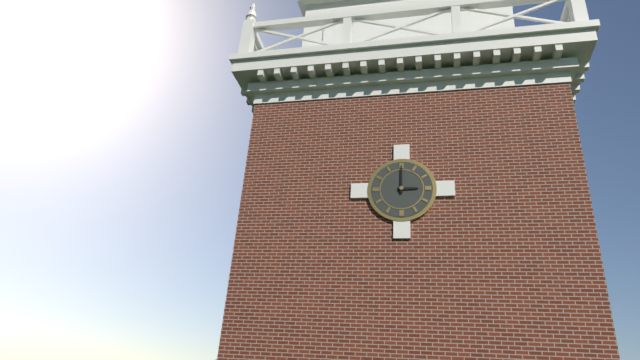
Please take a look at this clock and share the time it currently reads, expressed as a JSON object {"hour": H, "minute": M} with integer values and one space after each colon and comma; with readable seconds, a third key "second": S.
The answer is {"hour": 3, "minute": 0}
